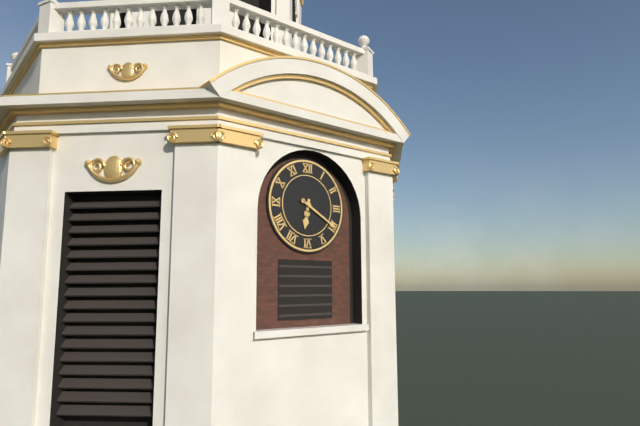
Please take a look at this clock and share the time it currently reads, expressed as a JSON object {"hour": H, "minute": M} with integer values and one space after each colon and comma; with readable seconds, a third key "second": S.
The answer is {"hour": 6, "minute": 20}
